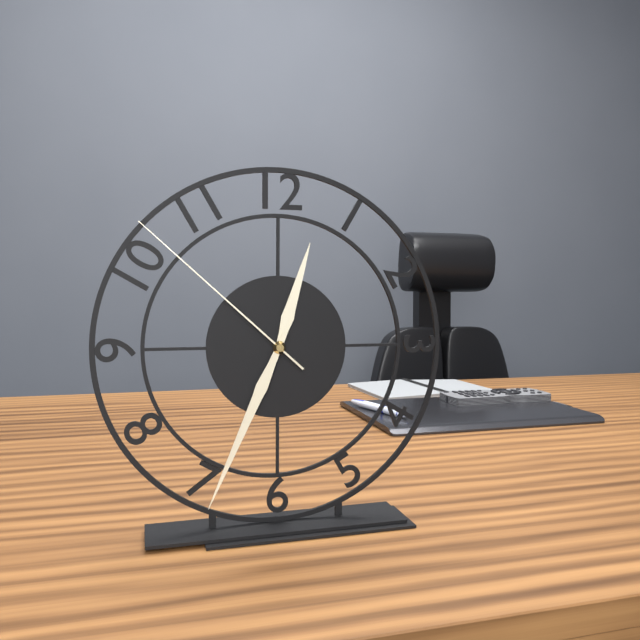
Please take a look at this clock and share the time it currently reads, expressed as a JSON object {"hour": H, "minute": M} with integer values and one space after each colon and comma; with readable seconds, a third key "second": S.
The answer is {"hour": 12, "minute": 34, "second": 52}
